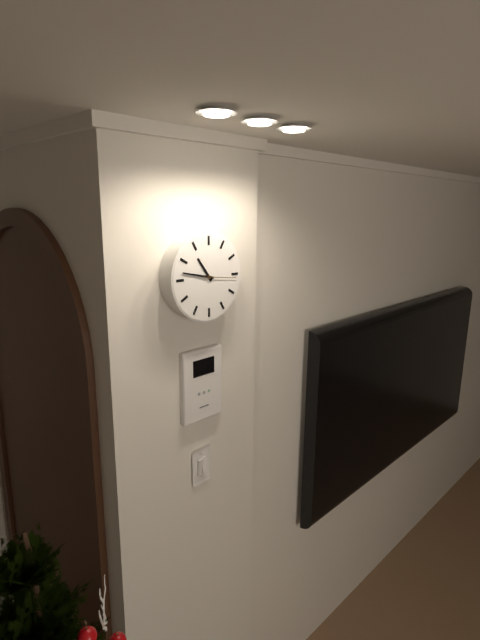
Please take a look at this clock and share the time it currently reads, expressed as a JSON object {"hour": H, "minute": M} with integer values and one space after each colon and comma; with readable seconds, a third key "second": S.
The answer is {"hour": 10, "minute": 47}
